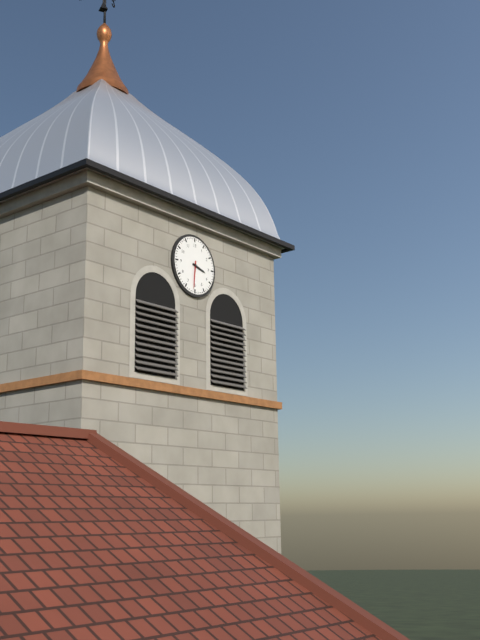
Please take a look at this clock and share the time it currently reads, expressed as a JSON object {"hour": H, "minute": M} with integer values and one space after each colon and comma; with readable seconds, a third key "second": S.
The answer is {"hour": 3, "minute": 31}
